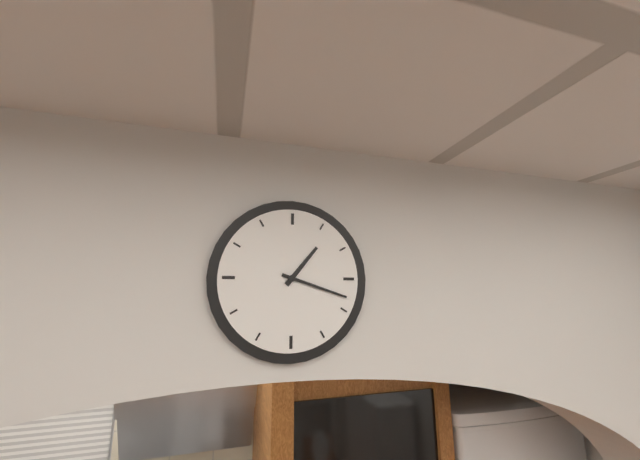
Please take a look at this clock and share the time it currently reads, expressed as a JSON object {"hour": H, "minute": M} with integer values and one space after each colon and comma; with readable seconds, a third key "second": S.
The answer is {"hour": 1, "minute": 18}
